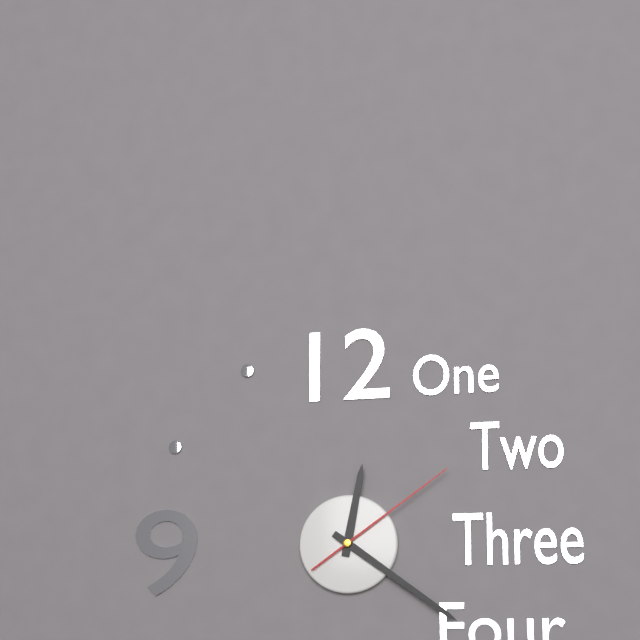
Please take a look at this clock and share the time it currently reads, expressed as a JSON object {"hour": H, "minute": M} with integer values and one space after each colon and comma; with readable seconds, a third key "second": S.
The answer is {"hour": 12, "minute": 21, "second": 9}
